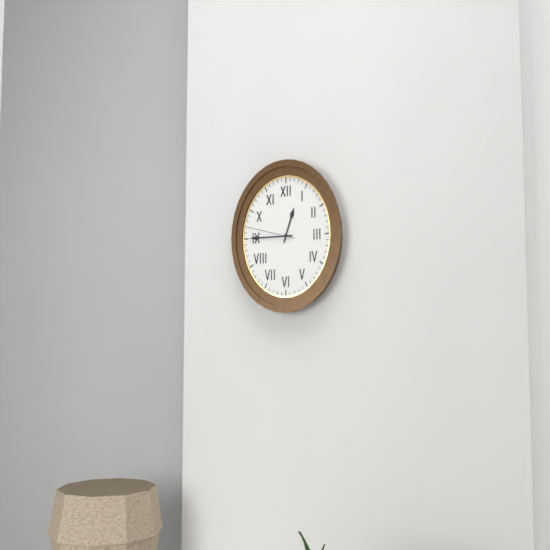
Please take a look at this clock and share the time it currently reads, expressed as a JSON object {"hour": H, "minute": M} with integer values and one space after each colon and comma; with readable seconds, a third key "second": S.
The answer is {"hour": 12, "minute": 45}
